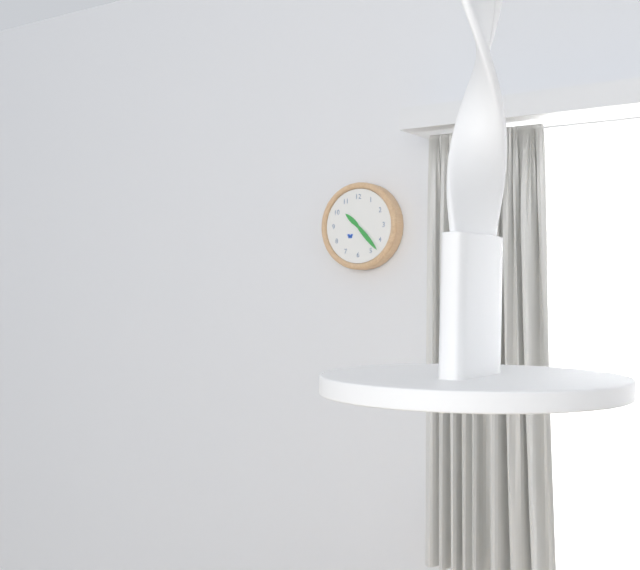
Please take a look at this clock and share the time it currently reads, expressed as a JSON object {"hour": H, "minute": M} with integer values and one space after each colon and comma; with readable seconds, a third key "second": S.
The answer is {"hour": 10, "minute": 23}
